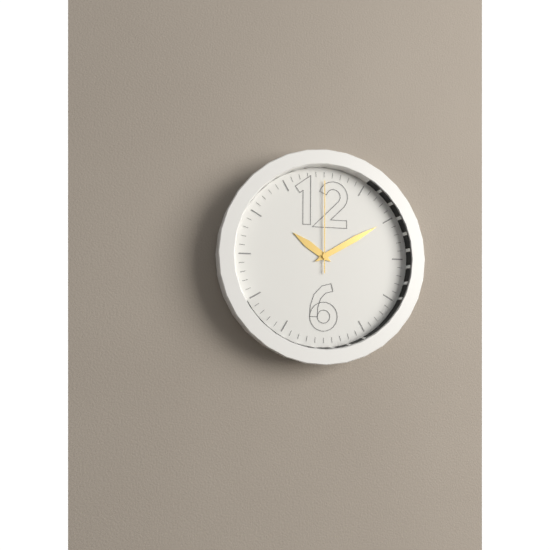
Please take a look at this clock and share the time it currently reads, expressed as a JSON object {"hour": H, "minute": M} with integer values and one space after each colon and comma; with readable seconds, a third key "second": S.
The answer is {"hour": 10, "minute": 10, "second": 0}
